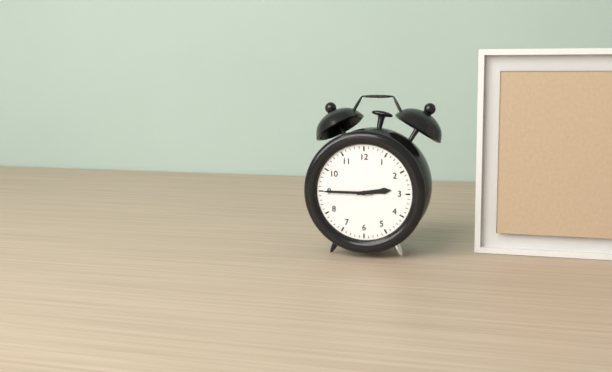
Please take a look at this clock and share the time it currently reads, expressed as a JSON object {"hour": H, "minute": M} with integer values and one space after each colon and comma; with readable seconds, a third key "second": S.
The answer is {"hour": 2, "minute": 45}
